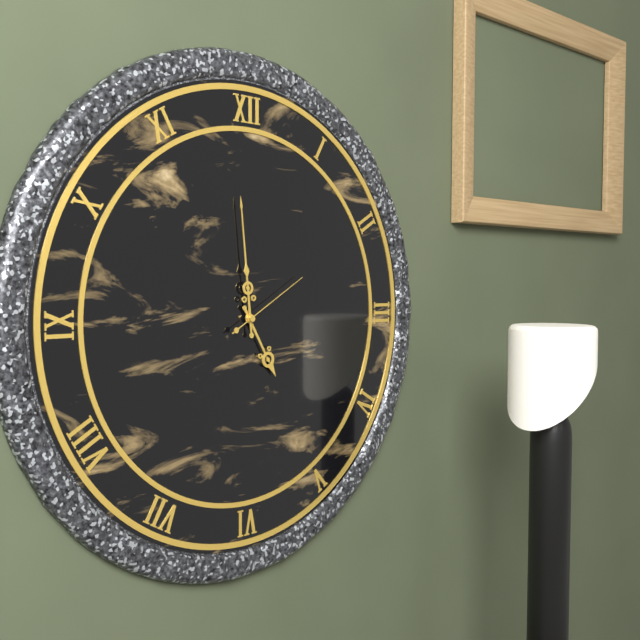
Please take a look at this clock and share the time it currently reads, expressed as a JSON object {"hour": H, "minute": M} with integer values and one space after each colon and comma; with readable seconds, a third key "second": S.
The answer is {"hour": 4, "minute": 59, "second": 10}
